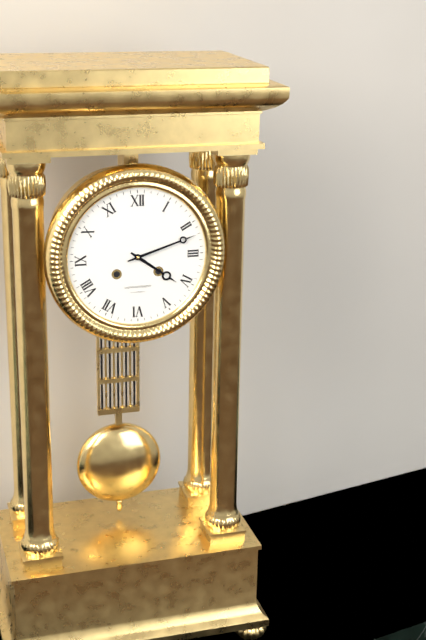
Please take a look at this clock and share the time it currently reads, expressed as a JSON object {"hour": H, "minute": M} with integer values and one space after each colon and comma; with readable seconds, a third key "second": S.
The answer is {"hour": 4, "minute": 12}
